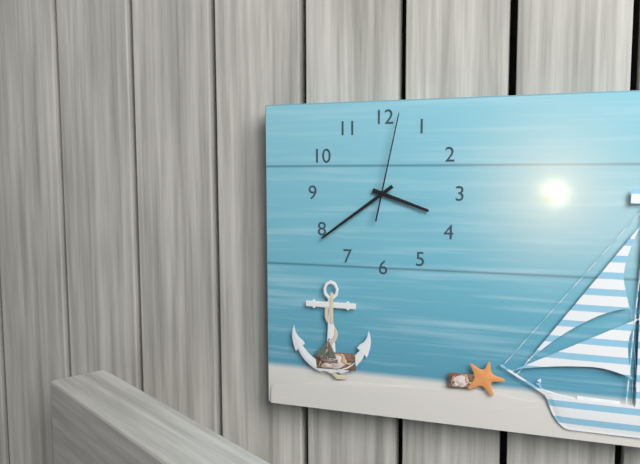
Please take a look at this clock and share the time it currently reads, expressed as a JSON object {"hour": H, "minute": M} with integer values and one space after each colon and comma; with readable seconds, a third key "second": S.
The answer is {"hour": 3, "minute": 39, "second": 2}
